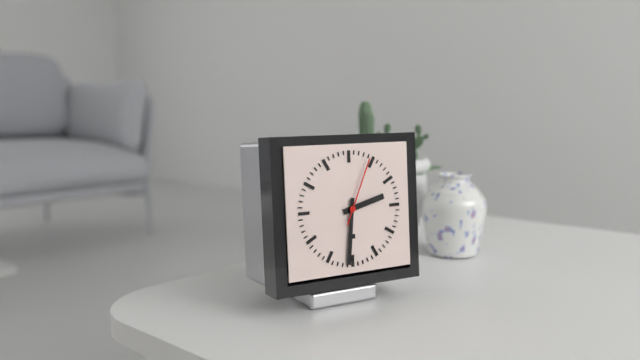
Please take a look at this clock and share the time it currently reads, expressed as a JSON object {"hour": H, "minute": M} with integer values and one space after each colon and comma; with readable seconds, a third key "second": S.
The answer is {"hour": 2, "minute": 31, "second": 4}
